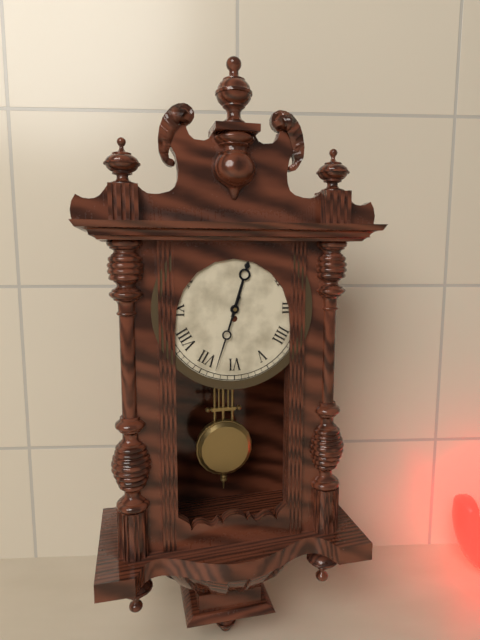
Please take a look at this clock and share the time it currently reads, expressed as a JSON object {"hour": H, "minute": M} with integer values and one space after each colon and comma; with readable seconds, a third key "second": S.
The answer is {"hour": 12, "minute": 33}
